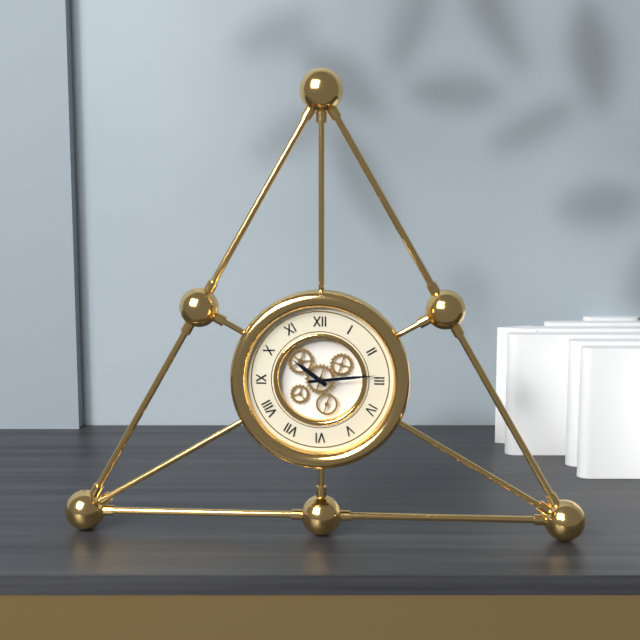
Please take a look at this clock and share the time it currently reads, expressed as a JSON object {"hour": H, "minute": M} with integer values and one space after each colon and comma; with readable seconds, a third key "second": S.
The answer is {"hour": 10, "minute": 14}
